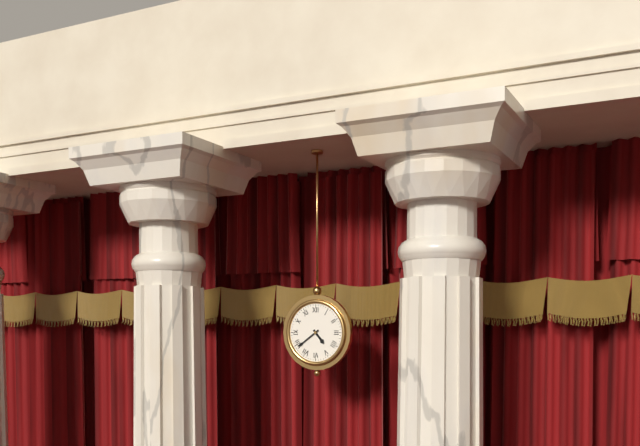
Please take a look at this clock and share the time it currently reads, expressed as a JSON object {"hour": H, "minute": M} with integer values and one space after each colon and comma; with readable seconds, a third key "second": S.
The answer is {"hour": 4, "minute": 39}
